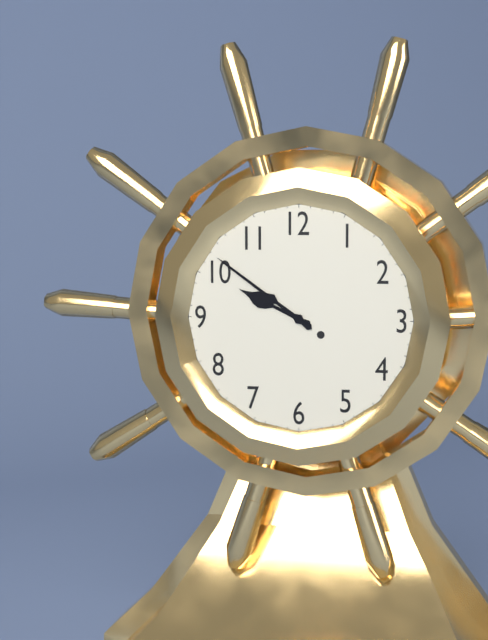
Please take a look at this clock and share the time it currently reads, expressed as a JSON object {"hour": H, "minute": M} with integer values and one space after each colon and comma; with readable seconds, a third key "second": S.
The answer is {"hour": 9, "minute": 51}
